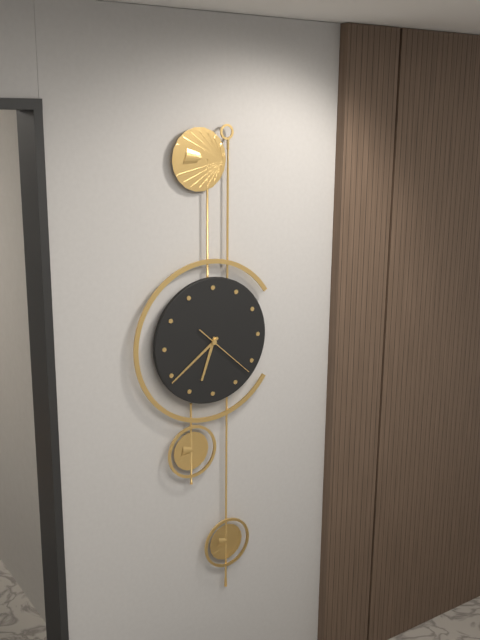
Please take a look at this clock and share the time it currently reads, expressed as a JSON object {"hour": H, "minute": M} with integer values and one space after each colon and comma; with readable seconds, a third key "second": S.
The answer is {"hour": 6, "minute": 39, "second": 22}
